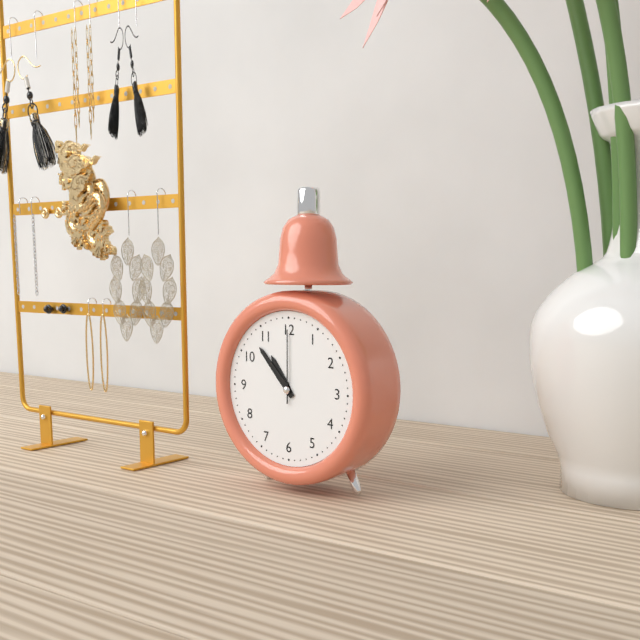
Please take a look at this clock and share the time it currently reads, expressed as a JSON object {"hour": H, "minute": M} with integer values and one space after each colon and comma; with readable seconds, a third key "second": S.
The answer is {"hour": 10, "minute": 53, "second": 0}
